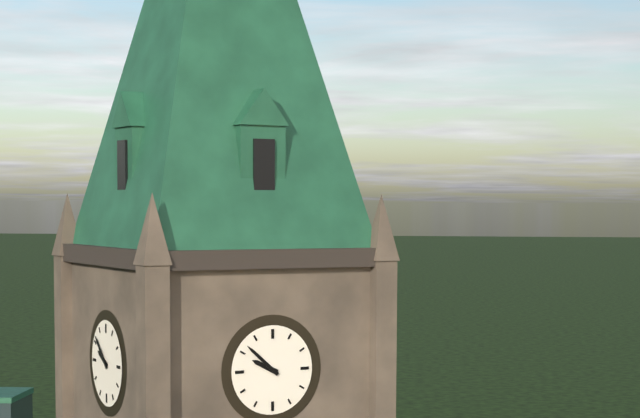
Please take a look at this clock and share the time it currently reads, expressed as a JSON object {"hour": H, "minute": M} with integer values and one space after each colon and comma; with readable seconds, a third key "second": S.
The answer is {"hour": 9, "minute": 52}
